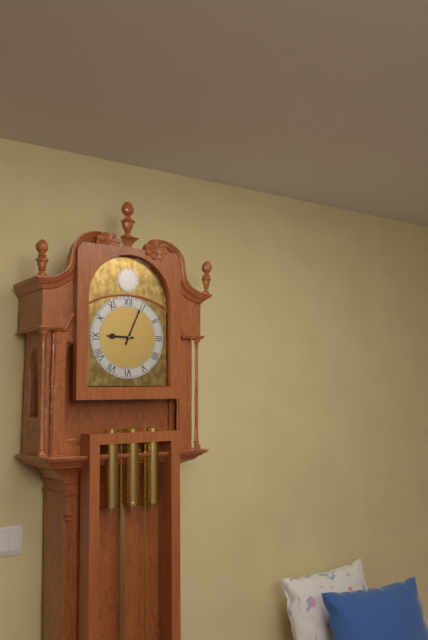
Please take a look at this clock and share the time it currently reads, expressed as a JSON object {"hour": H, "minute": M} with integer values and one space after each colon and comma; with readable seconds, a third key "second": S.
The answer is {"hour": 9, "minute": 4}
